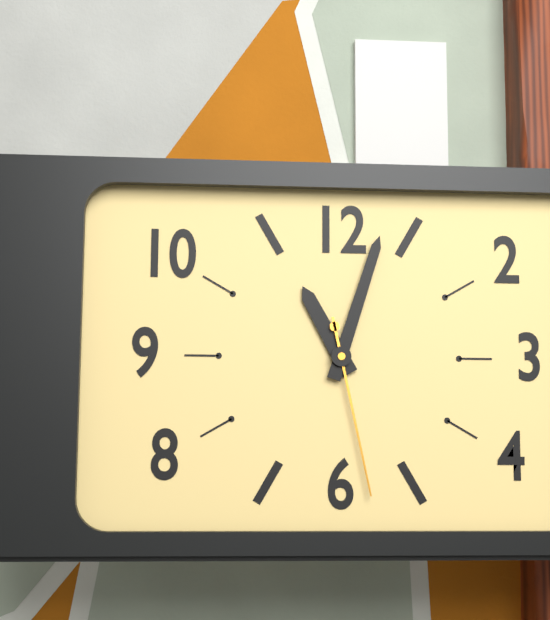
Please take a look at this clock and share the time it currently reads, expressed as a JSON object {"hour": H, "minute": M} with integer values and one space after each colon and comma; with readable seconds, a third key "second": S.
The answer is {"hour": 11, "minute": 3, "second": 28}
